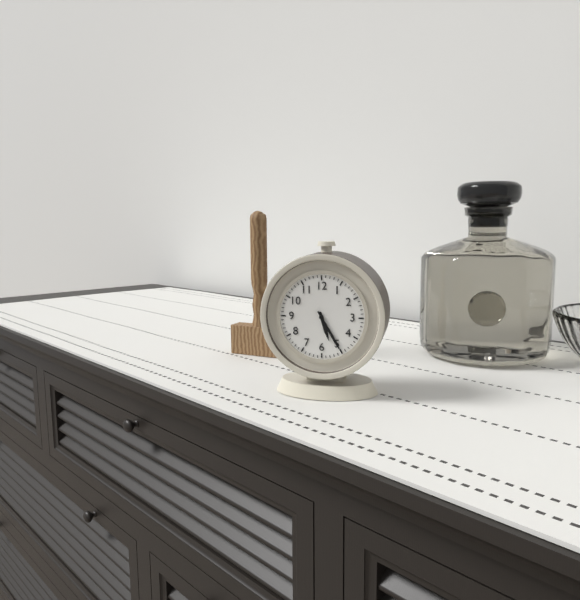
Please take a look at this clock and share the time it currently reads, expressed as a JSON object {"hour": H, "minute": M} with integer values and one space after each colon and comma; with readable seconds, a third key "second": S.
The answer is {"hour": 5, "minute": 25}
